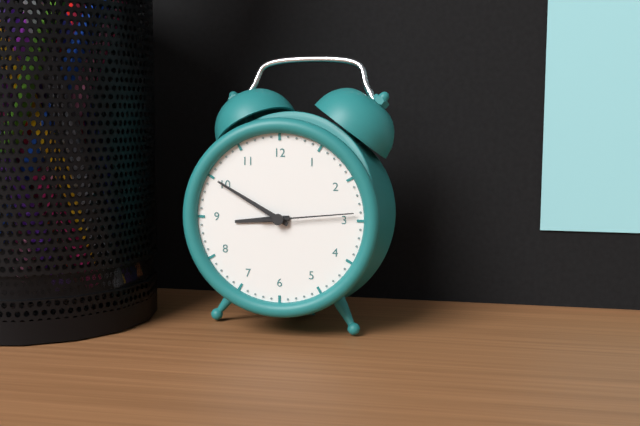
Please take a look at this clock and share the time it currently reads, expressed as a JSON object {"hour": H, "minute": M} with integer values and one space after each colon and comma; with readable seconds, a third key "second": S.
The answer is {"hour": 8, "minute": 50, "second": 14}
